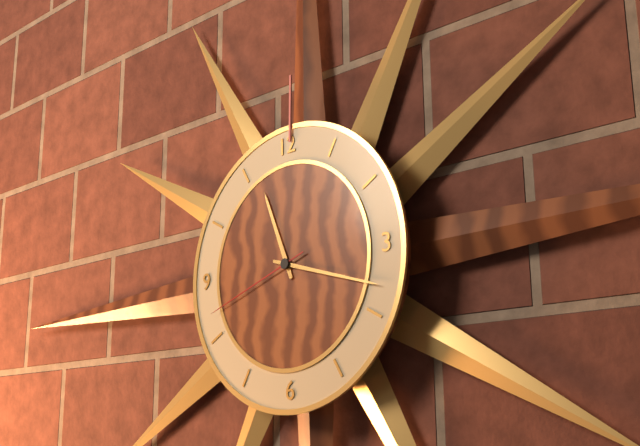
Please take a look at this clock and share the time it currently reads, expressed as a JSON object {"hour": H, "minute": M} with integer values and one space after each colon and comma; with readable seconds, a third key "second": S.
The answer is {"hour": 11, "minute": 18, "second": 42}
